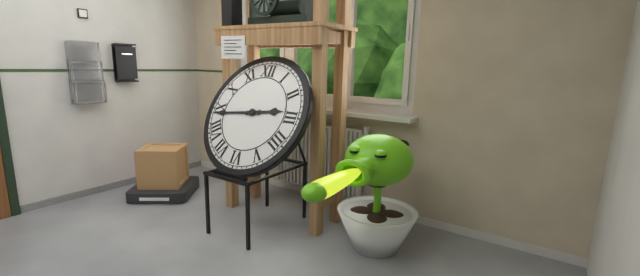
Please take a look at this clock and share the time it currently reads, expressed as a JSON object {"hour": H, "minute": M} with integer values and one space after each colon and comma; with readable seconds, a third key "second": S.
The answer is {"hour": 2, "minute": 44}
